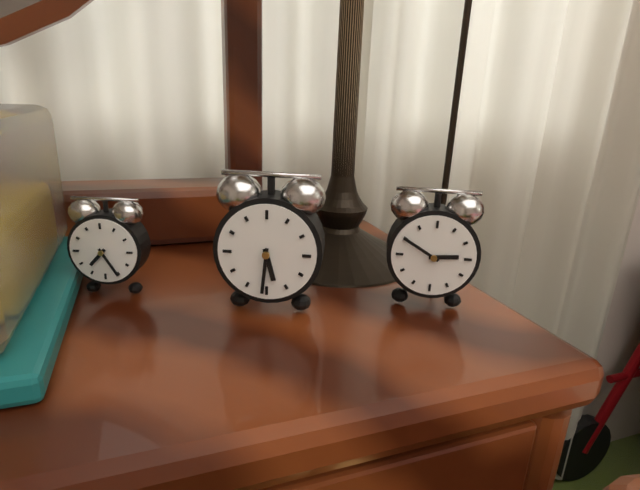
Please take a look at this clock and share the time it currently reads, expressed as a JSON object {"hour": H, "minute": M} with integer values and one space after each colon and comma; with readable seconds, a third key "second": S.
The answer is {"hour": 5, "minute": 31}
